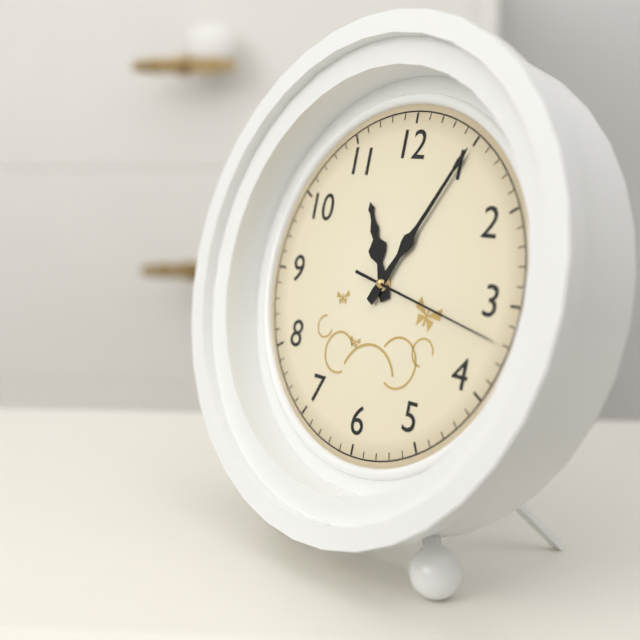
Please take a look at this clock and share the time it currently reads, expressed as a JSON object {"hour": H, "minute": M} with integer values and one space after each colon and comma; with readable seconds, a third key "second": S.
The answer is {"hour": 11, "minute": 5, "second": 17}
